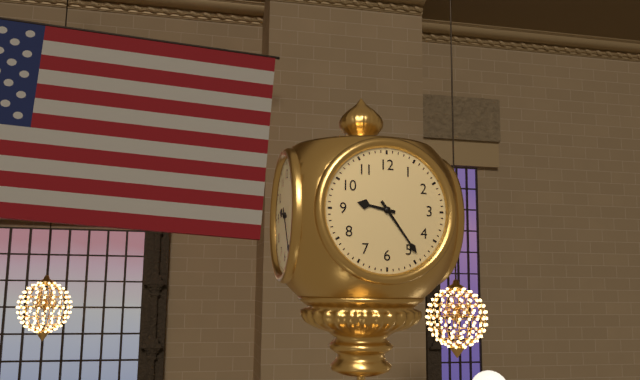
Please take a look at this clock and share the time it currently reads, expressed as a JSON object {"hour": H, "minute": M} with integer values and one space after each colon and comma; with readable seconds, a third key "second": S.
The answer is {"hour": 9, "minute": 24}
